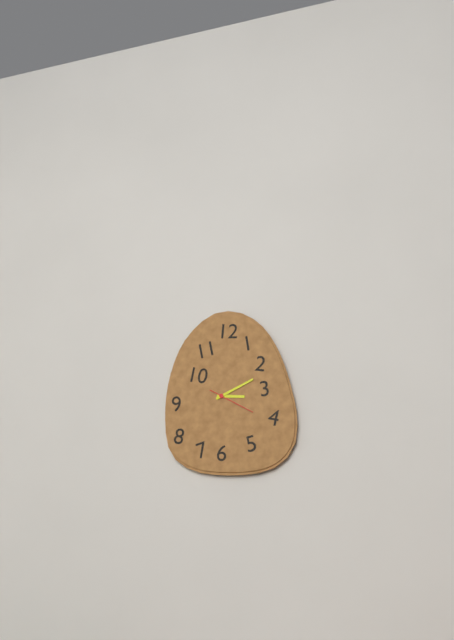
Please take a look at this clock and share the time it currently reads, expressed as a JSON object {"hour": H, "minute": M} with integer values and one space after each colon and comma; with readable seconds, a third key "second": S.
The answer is {"hour": 3, "minute": 11}
